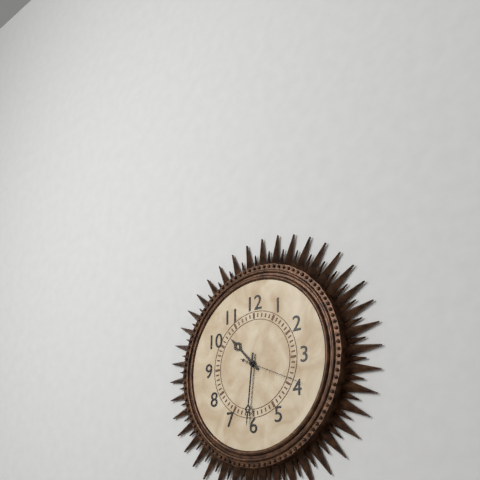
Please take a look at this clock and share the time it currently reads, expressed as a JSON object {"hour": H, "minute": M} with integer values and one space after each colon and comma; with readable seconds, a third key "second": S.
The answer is {"hour": 10, "minute": 31}
